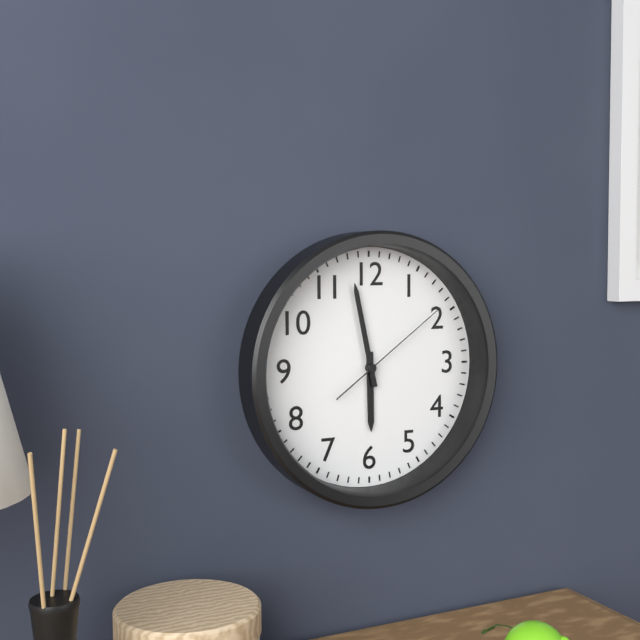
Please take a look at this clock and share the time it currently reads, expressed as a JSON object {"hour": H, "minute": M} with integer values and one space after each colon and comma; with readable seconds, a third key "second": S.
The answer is {"hour": 5, "minute": 58, "second": 9}
